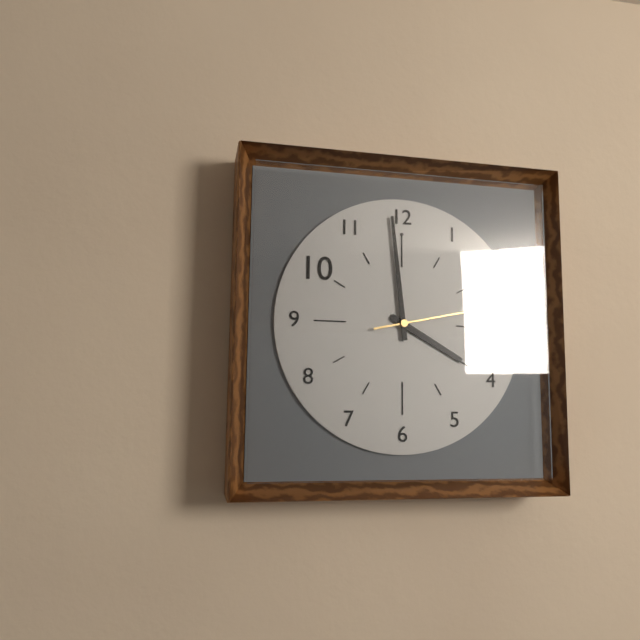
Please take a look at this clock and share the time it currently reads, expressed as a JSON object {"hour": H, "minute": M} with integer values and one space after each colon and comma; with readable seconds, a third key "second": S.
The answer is {"hour": 3, "minute": 59, "second": 13}
